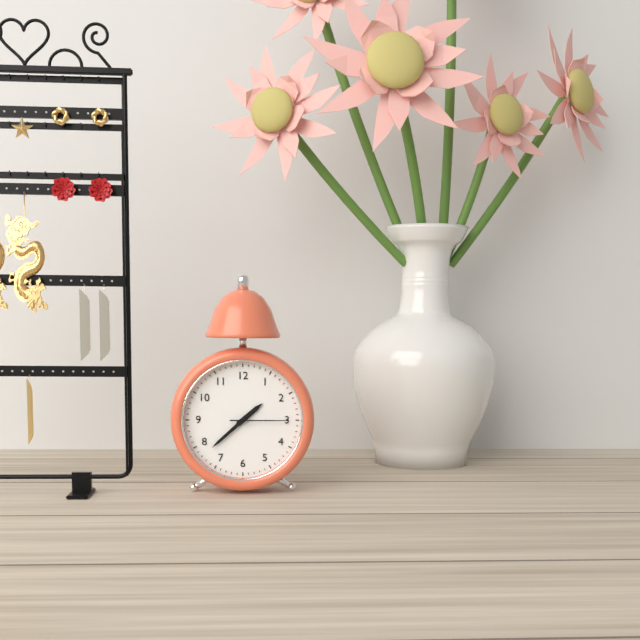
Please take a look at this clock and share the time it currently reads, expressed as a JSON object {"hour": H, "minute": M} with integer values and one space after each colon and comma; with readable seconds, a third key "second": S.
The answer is {"hour": 1, "minute": 38, "second": 15}
